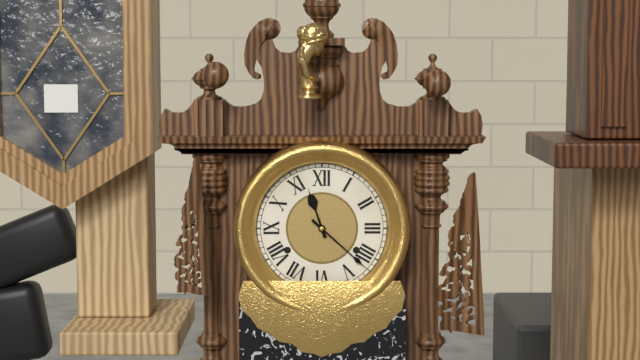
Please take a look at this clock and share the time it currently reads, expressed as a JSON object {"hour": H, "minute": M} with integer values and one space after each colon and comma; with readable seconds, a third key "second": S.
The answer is {"hour": 11, "minute": 22}
